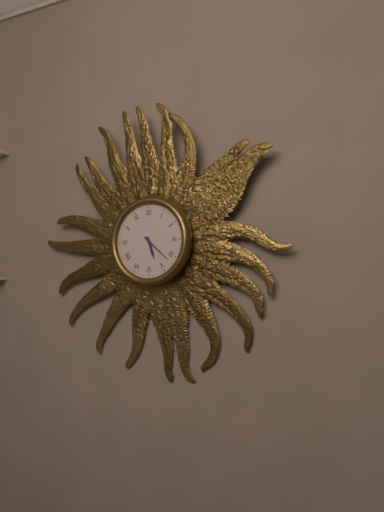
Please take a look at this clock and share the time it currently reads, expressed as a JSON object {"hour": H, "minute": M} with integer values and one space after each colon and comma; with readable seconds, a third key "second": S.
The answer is {"hour": 5, "minute": 22}
